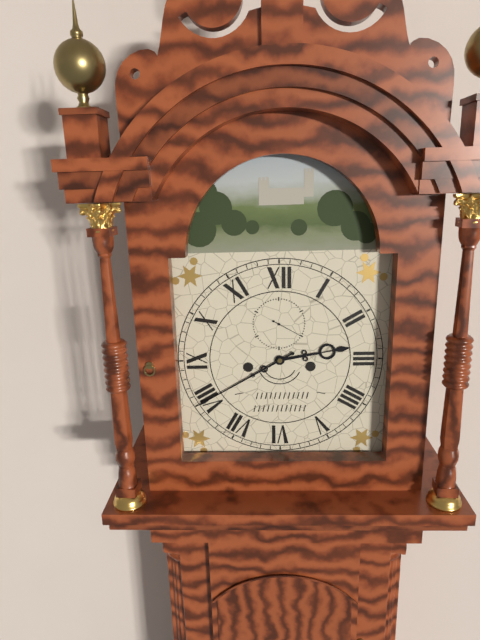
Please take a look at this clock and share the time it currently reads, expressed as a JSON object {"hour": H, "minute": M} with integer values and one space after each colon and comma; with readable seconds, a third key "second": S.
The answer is {"hour": 2, "minute": 40}
